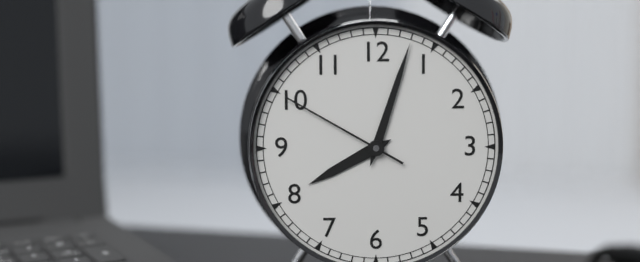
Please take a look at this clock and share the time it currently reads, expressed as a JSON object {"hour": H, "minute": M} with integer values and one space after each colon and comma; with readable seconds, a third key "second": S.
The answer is {"hour": 8, "minute": 3, "second": 50}
